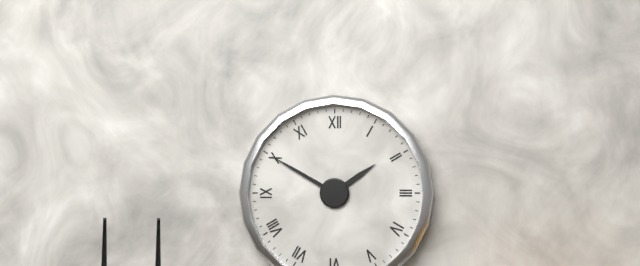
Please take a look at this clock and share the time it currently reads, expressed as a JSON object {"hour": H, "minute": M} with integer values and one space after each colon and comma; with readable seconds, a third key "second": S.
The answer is {"hour": 1, "minute": 50}
